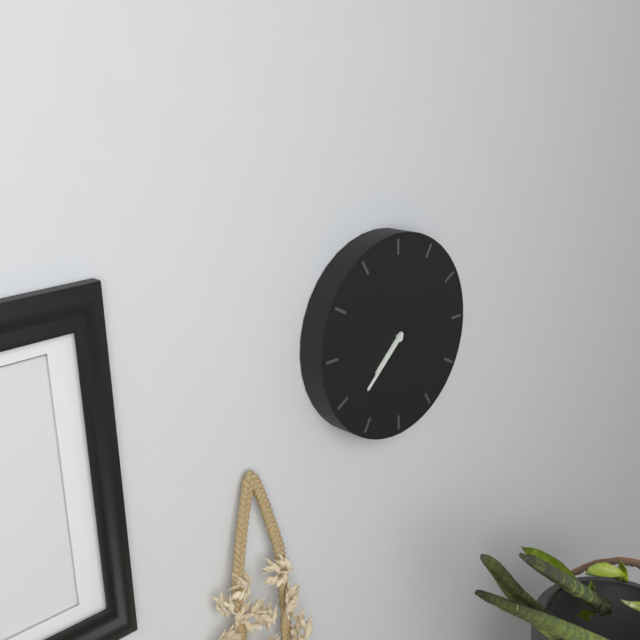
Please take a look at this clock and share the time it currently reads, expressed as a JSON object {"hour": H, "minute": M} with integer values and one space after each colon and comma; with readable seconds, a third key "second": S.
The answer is {"hour": 7, "minute": 38}
